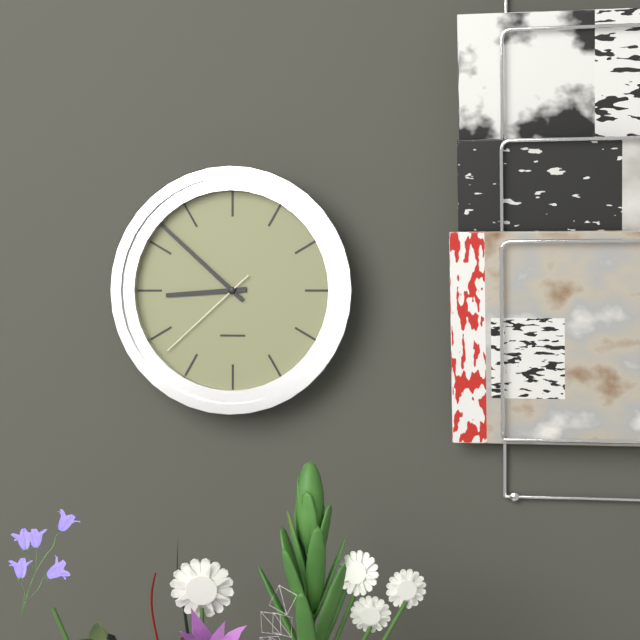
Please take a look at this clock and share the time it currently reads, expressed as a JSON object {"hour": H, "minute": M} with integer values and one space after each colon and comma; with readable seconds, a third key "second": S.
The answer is {"hour": 8, "minute": 52, "second": 38}
